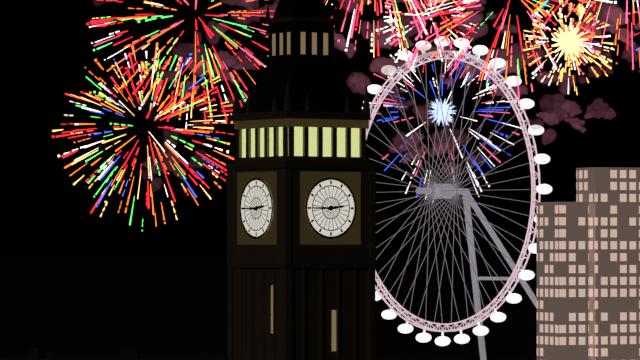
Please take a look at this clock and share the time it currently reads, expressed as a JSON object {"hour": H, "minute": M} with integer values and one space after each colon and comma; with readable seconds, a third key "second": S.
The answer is {"hour": 2, "minute": 45}
